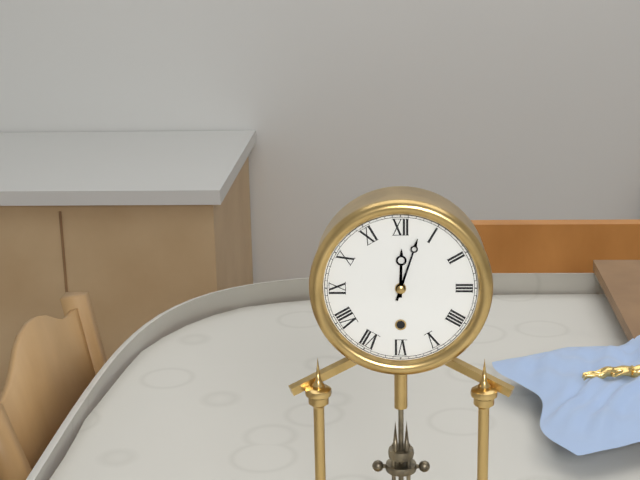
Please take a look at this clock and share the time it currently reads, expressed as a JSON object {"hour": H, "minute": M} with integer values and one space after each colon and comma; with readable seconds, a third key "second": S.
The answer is {"hour": 12, "minute": 3}
